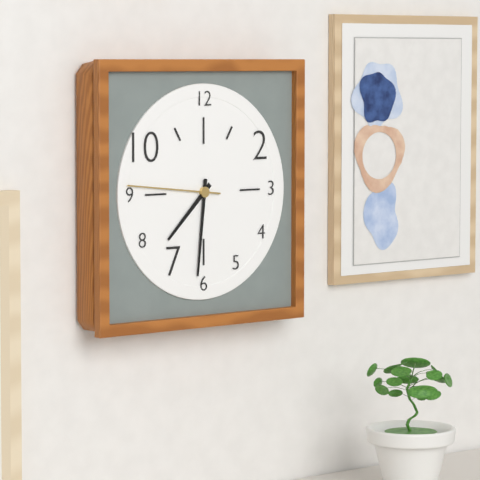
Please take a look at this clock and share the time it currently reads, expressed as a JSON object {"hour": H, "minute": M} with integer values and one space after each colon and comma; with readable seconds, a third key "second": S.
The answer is {"hour": 7, "minute": 31, "second": 46}
